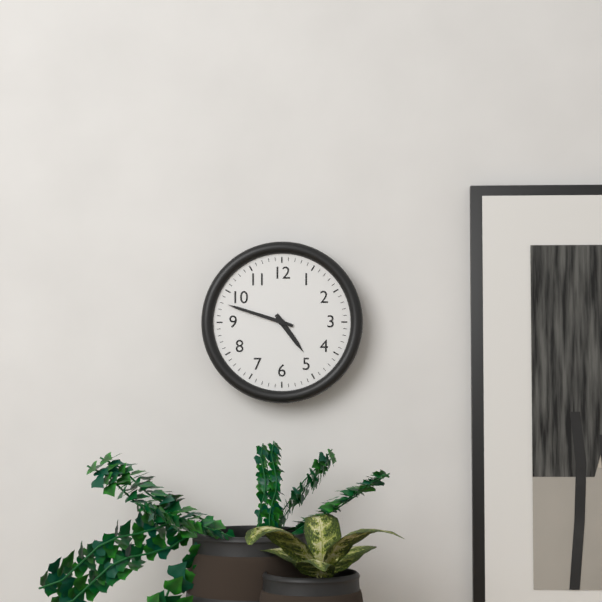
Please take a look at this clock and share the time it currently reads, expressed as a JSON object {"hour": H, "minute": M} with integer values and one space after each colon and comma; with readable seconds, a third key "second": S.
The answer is {"hour": 4, "minute": 48}
